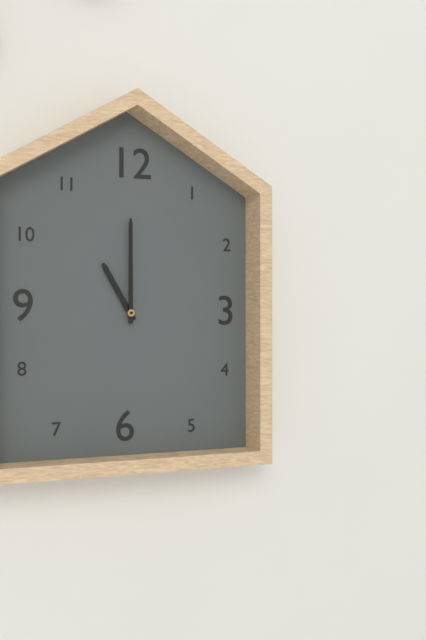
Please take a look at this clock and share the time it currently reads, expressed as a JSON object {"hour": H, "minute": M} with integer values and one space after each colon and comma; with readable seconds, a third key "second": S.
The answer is {"hour": 11, "minute": 0}
